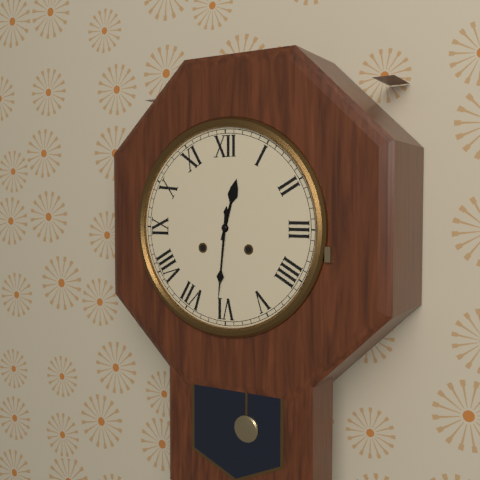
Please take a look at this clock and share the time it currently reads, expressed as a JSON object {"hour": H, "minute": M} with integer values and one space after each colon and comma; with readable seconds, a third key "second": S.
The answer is {"hour": 12, "minute": 31}
